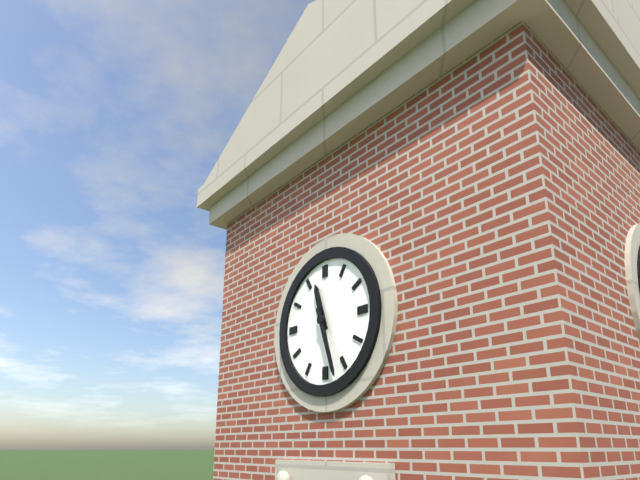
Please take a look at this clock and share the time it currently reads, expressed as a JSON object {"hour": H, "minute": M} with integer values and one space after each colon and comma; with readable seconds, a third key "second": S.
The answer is {"hour": 11, "minute": 27}
